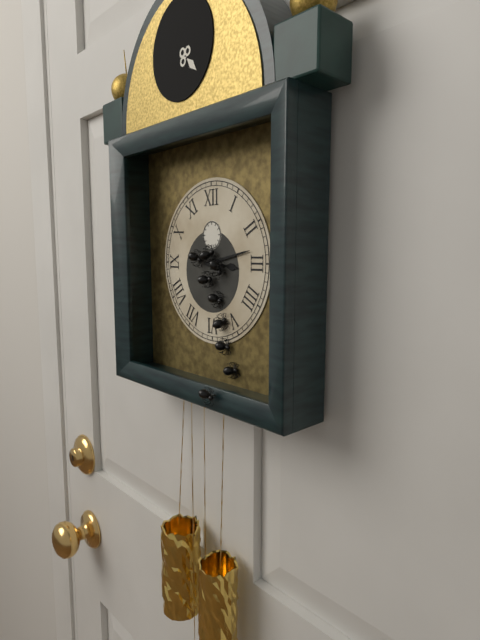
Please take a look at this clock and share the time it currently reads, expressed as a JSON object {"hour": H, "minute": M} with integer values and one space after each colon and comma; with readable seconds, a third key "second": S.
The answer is {"hour": 3, "minute": 13}
